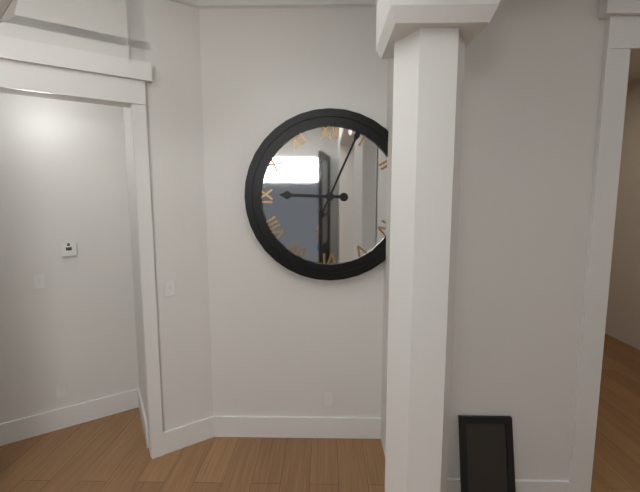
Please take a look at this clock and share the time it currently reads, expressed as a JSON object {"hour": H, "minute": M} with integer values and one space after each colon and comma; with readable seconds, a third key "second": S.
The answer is {"hour": 9, "minute": 4}
